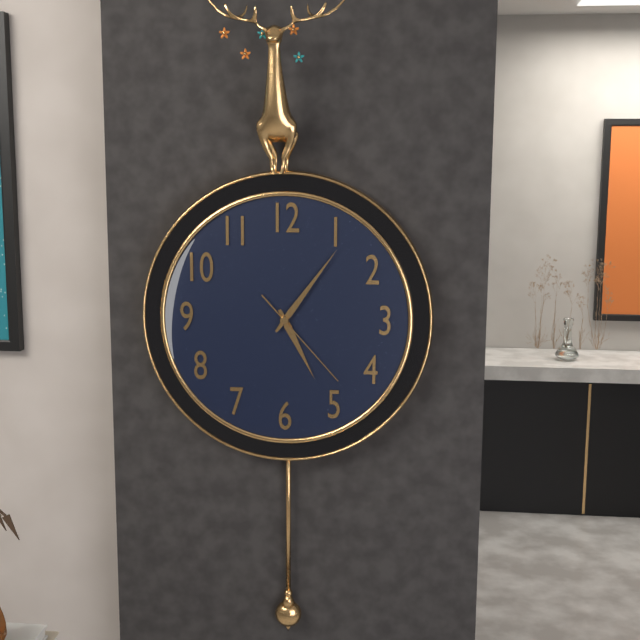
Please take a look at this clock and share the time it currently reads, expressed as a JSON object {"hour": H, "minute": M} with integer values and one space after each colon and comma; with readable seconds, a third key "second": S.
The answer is {"hour": 5, "minute": 6, "second": 23}
